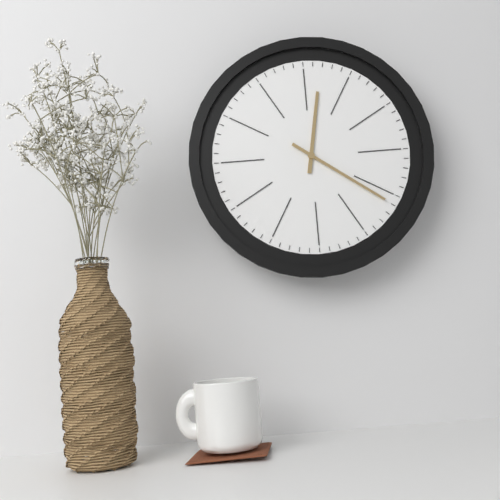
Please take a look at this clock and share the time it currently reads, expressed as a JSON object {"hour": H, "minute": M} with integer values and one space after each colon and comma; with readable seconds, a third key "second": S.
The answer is {"hour": 12, "minute": 21}
